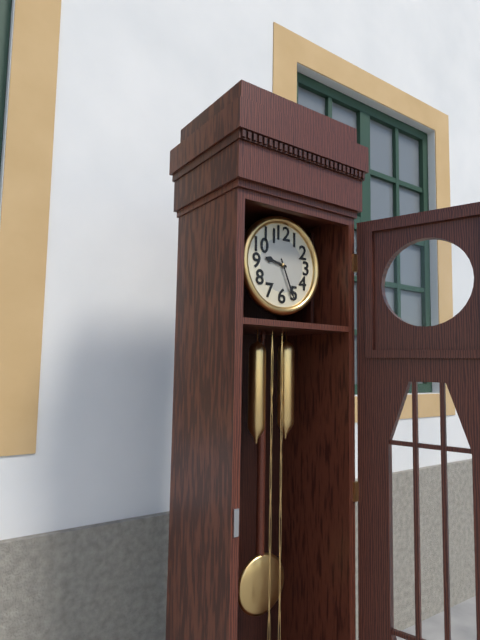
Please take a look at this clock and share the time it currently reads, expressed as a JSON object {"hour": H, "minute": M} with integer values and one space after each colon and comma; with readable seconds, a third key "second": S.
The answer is {"hour": 9, "minute": 26}
